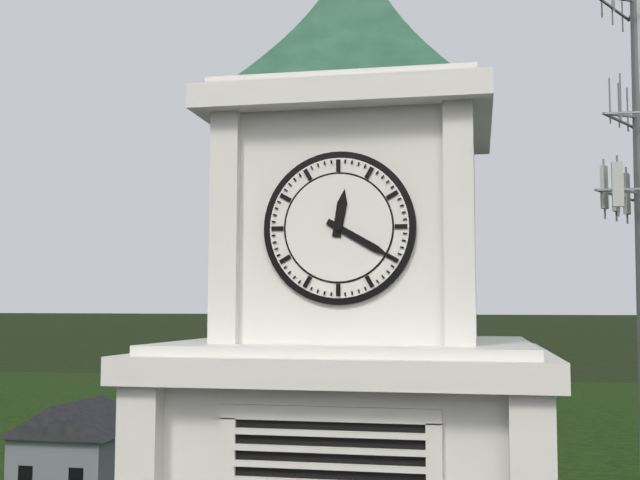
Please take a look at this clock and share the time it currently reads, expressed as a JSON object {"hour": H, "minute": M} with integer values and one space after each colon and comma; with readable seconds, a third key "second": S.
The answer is {"hour": 12, "minute": 20}
